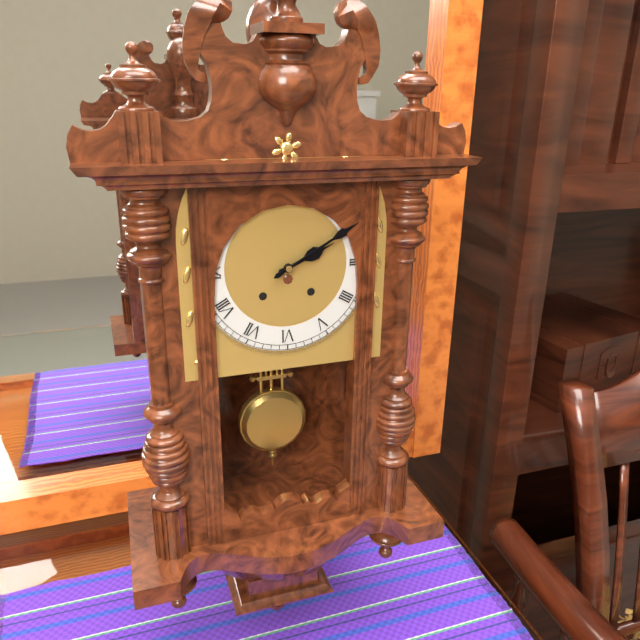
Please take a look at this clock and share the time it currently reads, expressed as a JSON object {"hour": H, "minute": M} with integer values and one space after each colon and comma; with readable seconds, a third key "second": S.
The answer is {"hour": 2, "minute": 10}
